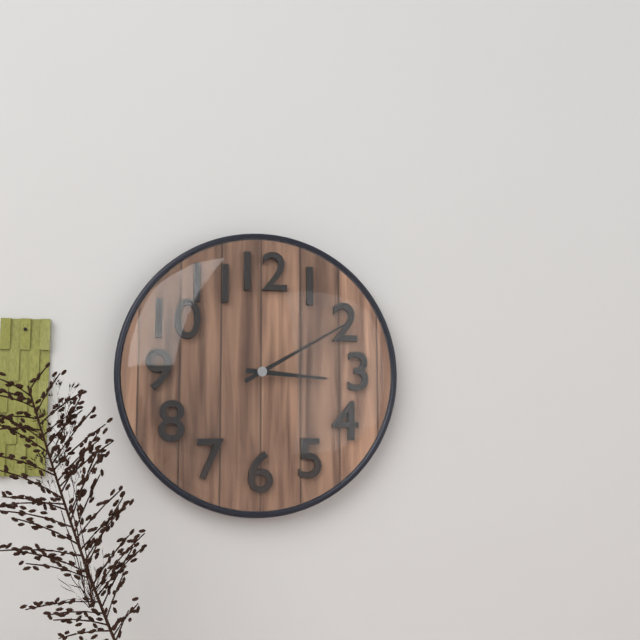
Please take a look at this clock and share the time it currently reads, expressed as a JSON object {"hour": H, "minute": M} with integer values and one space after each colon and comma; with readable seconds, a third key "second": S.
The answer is {"hour": 3, "minute": 10}
